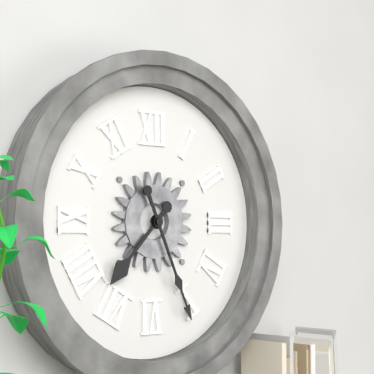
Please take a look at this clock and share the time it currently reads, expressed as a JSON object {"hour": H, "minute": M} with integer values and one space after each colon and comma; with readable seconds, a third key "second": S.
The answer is {"hour": 7, "minute": 26}
